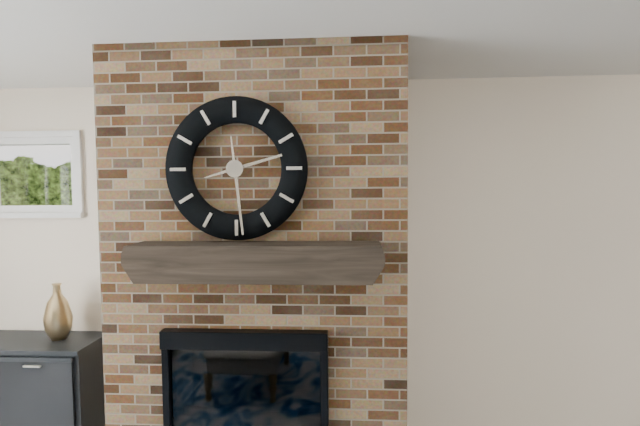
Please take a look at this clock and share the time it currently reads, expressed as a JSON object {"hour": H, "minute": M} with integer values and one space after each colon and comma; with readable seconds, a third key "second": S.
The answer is {"hour": 2, "minute": 29}
